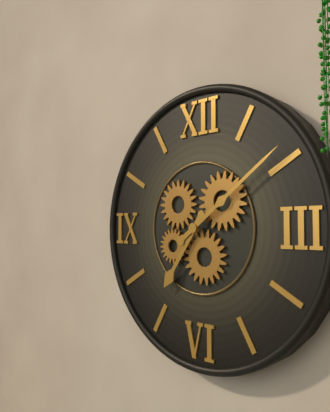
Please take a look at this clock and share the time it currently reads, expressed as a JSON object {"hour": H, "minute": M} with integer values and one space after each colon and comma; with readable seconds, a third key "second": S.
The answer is {"hour": 7, "minute": 9}
